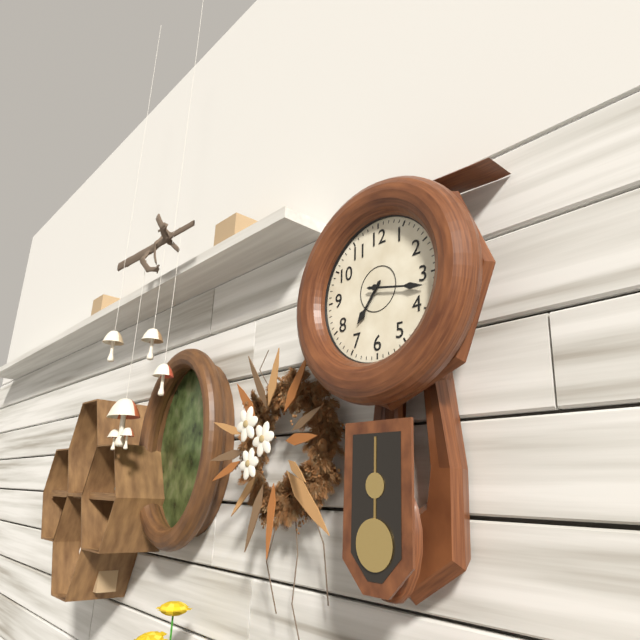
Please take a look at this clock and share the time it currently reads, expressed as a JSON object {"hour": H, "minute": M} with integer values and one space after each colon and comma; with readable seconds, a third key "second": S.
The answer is {"hour": 7, "minute": 17}
